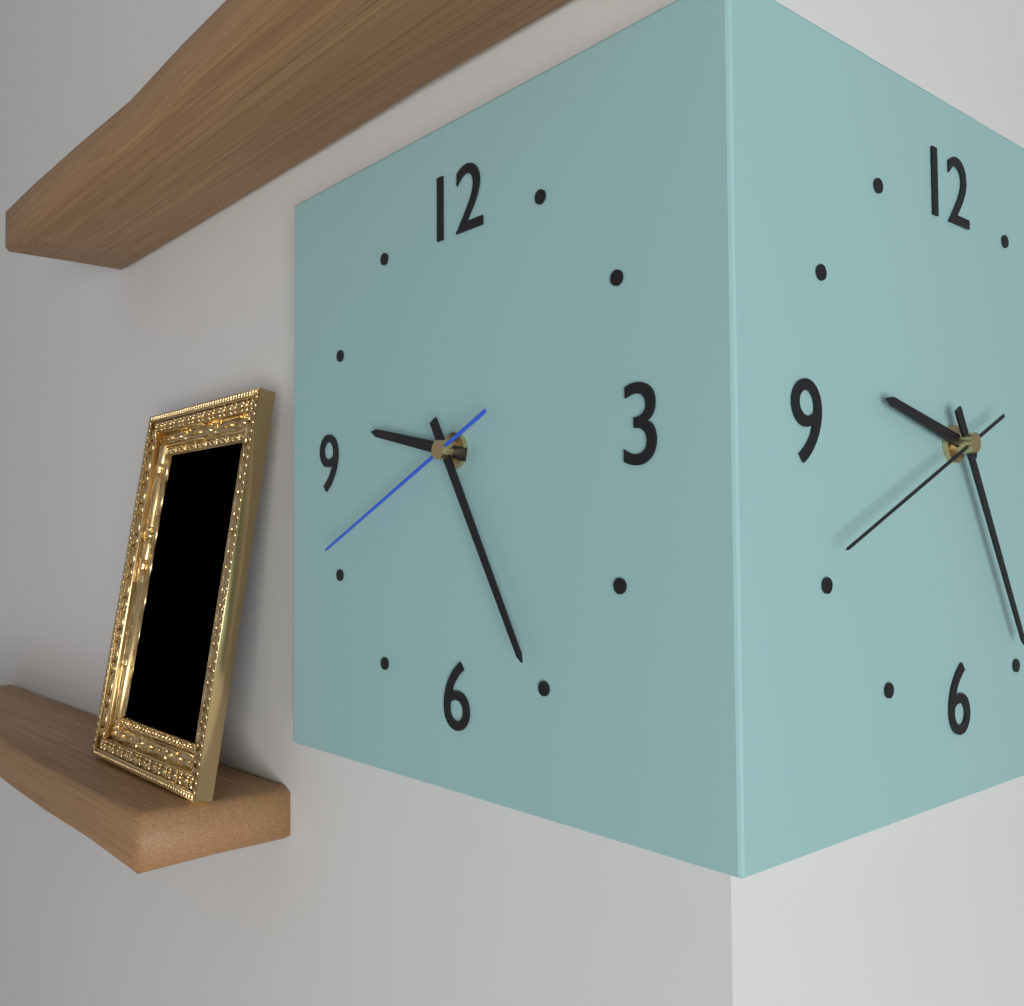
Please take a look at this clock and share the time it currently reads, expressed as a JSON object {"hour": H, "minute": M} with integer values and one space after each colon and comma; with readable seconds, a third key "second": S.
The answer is {"hour": 9, "minute": 25, "second": 41}
